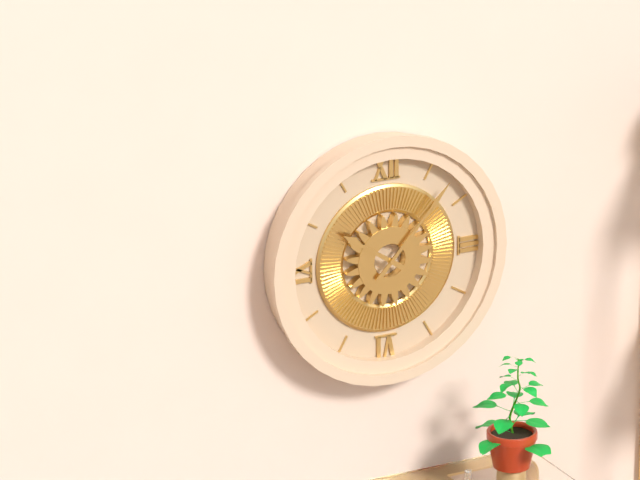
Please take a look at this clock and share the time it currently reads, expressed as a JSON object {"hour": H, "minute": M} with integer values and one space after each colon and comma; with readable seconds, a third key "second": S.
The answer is {"hour": 10, "minute": 7}
